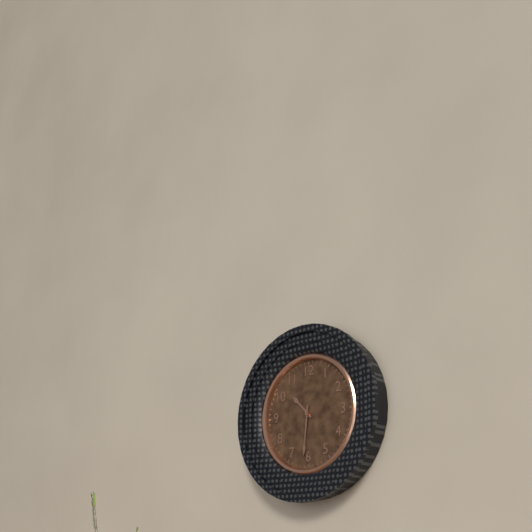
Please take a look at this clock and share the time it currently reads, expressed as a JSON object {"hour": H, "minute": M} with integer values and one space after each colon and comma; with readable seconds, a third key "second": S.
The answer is {"hour": 10, "minute": 31}
